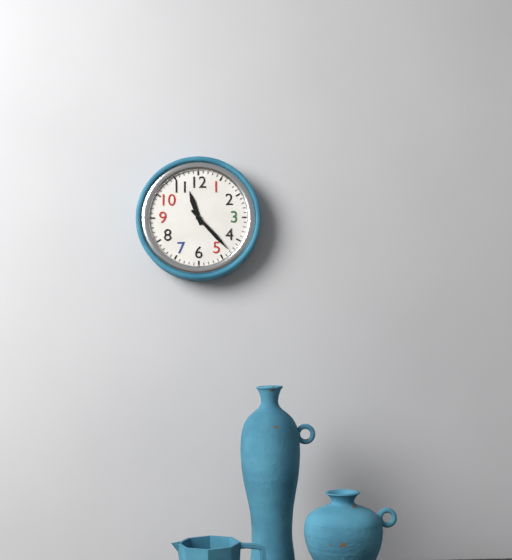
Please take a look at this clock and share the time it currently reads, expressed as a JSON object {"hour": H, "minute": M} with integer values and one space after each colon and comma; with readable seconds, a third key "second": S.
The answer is {"hour": 11, "minute": 23}
